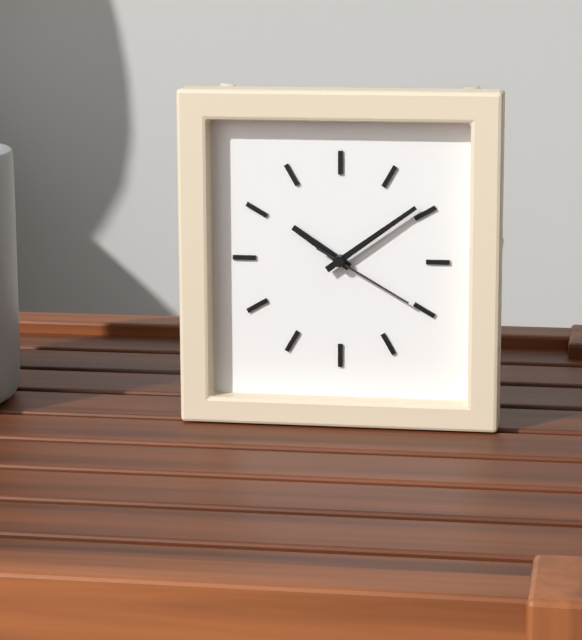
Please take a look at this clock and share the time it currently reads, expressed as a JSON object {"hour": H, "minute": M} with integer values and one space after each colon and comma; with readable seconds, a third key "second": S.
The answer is {"hour": 10, "minute": 9, "second": 20}
